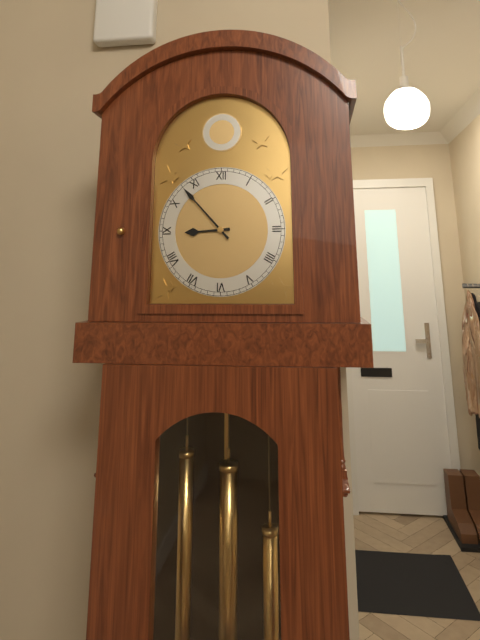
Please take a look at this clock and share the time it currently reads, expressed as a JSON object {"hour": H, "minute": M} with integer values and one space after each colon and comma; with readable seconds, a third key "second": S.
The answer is {"hour": 8, "minute": 53}
